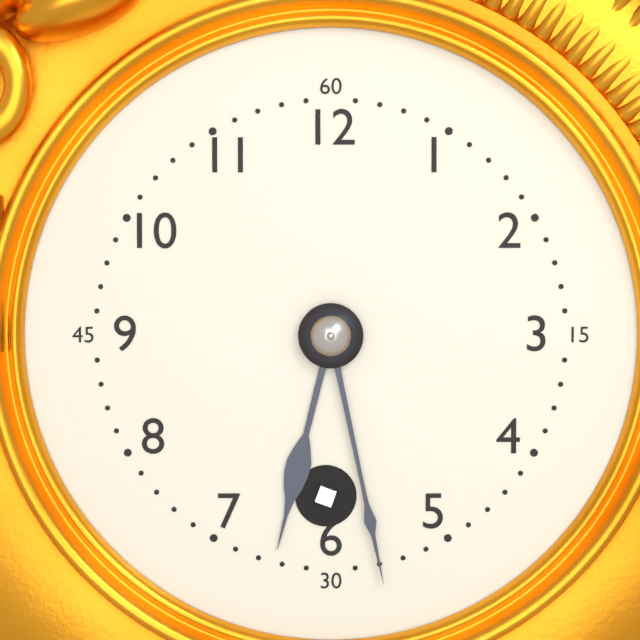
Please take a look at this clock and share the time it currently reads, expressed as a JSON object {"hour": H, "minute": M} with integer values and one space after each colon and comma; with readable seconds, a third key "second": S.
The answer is {"hour": 6, "minute": 28}
